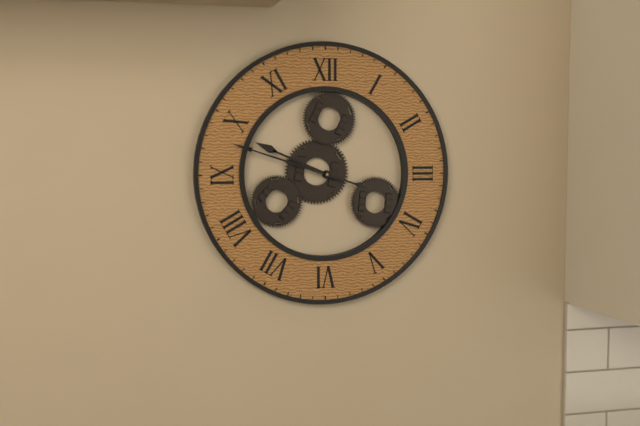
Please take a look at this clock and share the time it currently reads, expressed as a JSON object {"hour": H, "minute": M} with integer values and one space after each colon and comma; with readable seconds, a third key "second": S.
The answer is {"hour": 9, "minute": 48}
